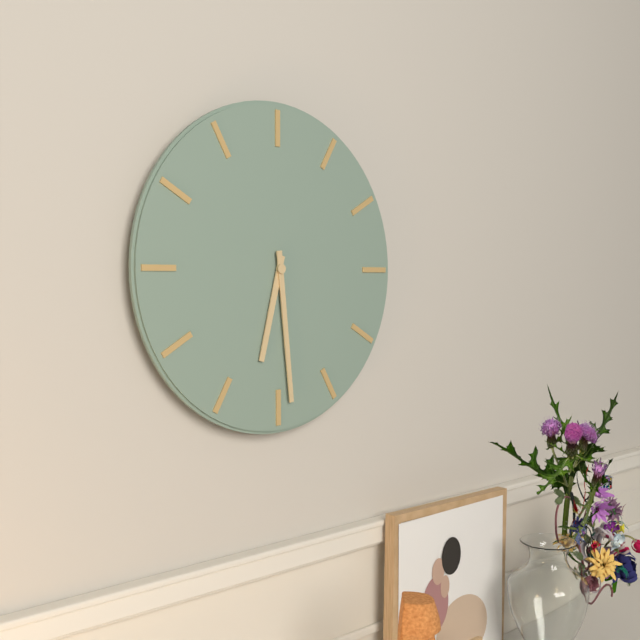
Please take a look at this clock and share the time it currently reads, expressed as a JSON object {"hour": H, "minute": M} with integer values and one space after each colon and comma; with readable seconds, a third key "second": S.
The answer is {"hour": 6, "minute": 29}
